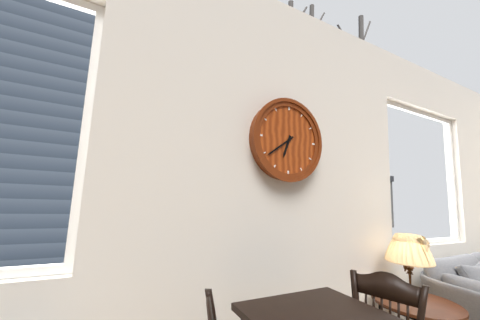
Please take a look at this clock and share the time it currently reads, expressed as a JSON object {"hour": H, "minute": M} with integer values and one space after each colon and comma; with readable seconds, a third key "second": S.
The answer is {"hour": 6, "minute": 39}
